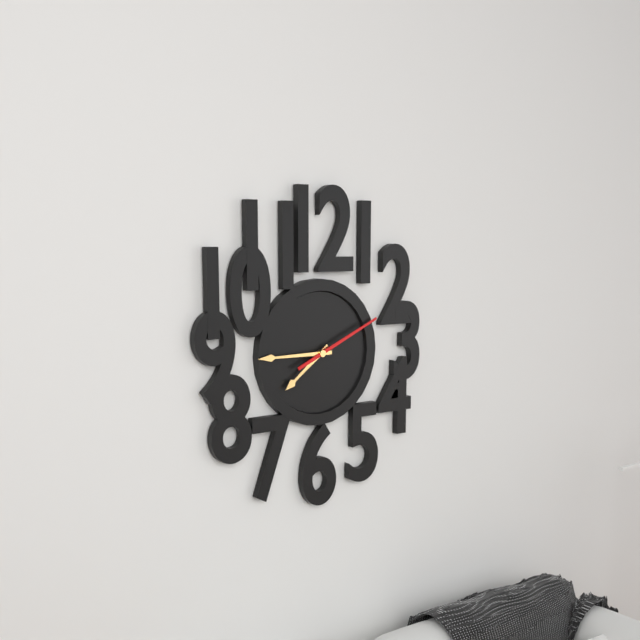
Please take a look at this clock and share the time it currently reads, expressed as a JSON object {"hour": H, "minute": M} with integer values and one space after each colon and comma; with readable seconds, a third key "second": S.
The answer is {"hour": 7, "minute": 45, "second": 11}
